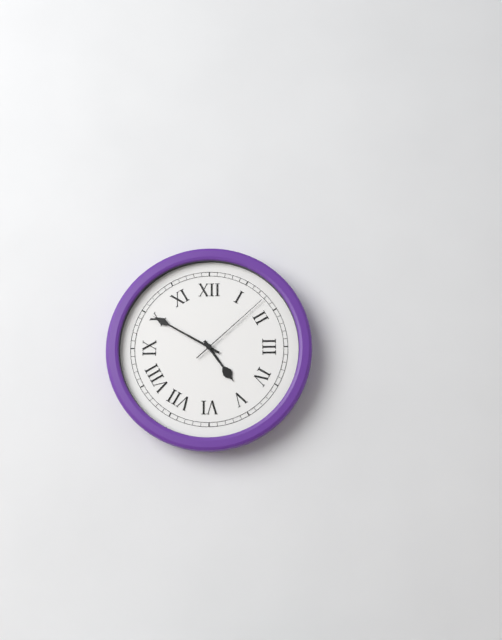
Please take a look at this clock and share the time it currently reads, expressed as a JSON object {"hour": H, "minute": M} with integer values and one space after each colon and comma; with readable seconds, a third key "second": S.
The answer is {"hour": 4, "minute": 50, "second": 8}
